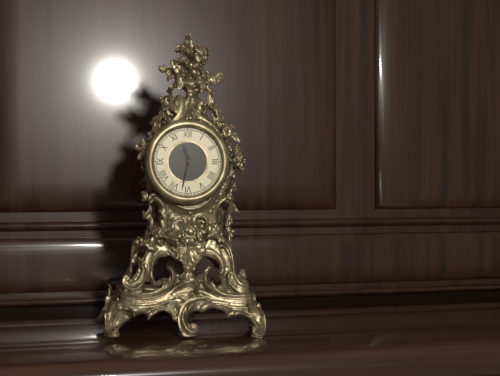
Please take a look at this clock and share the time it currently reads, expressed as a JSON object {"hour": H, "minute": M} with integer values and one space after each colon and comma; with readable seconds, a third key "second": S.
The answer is {"hour": 11, "minute": 32}
